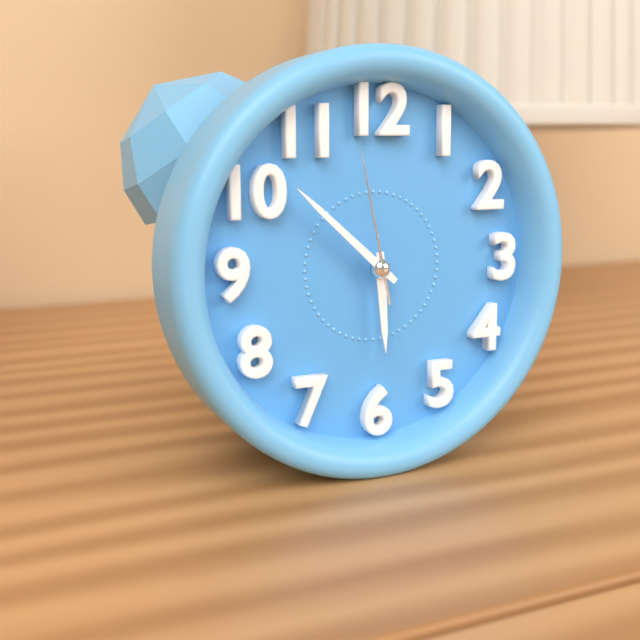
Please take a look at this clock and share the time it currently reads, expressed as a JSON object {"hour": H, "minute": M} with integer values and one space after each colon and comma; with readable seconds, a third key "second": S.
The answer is {"hour": 5, "minute": 52, "second": 58}
